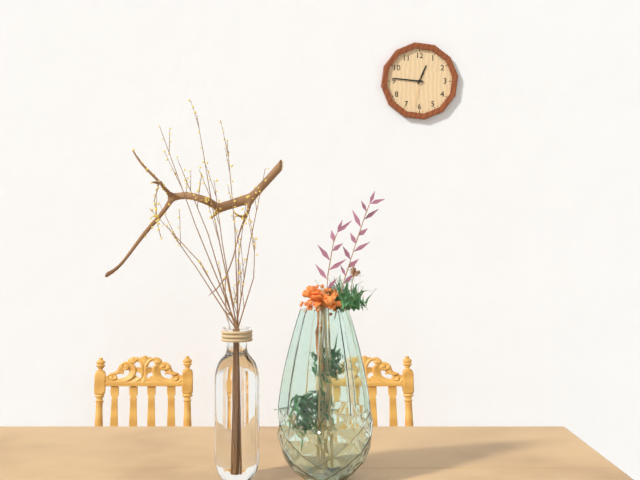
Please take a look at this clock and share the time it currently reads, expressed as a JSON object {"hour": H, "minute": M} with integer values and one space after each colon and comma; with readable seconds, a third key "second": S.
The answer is {"hour": 12, "minute": 46}
